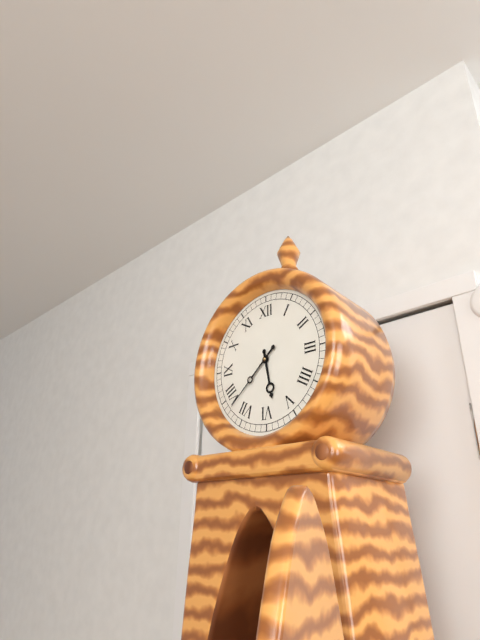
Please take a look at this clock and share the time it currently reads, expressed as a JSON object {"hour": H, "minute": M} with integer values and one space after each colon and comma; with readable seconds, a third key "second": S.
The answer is {"hour": 5, "minute": 38}
